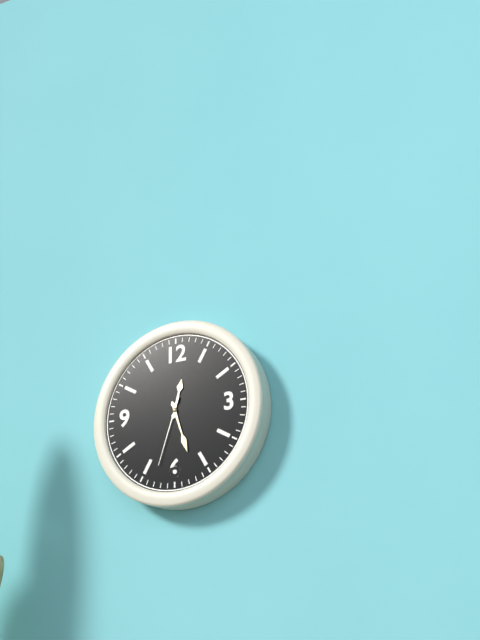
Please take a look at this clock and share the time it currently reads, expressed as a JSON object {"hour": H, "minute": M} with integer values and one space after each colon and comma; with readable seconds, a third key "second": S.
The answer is {"hour": 12, "minute": 27, "second": 33}
